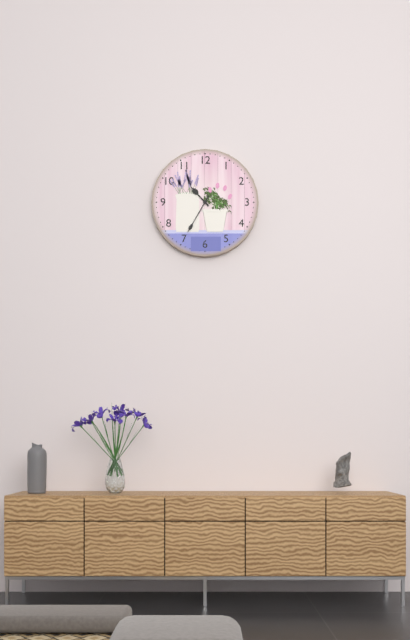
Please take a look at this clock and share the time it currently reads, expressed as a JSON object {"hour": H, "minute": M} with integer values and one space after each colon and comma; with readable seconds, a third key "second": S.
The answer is {"hour": 10, "minute": 35}
